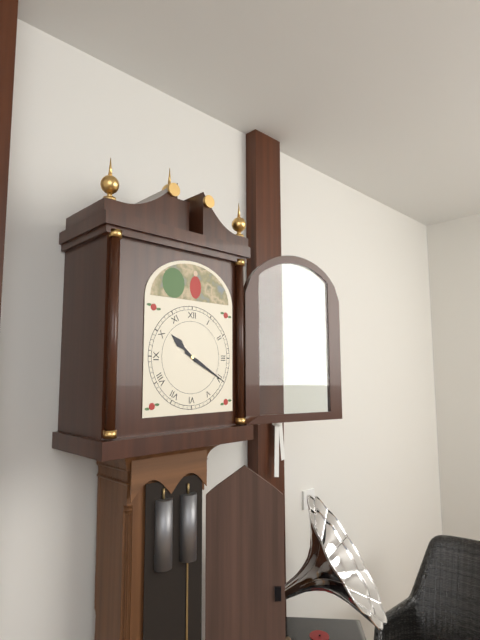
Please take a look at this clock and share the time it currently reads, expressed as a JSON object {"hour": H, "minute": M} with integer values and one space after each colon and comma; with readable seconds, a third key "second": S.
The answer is {"hour": 10, "minute": 20}
